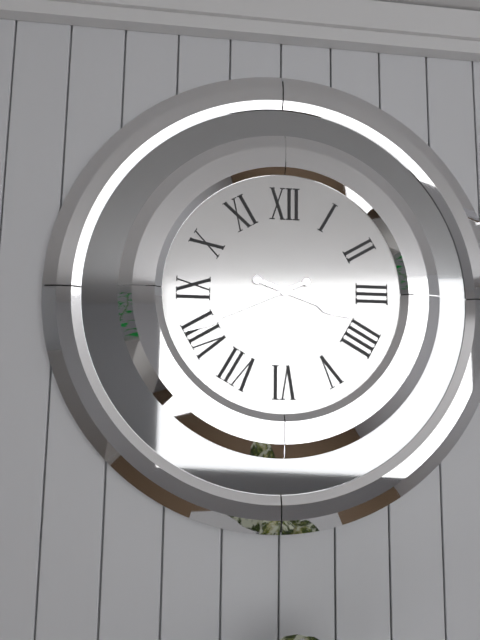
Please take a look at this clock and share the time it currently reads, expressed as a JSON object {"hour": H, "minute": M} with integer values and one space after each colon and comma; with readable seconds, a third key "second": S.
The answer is {"hour": 3, "minute": 41}
